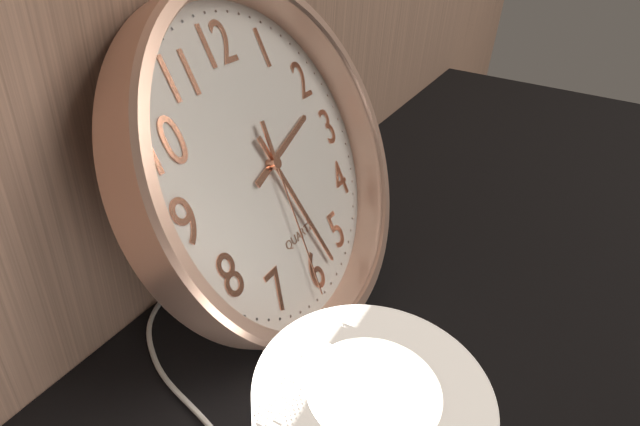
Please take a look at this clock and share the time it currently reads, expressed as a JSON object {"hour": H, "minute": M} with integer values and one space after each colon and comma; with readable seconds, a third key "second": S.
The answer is {"hour": 2, "minute": 28, "second": 31}
